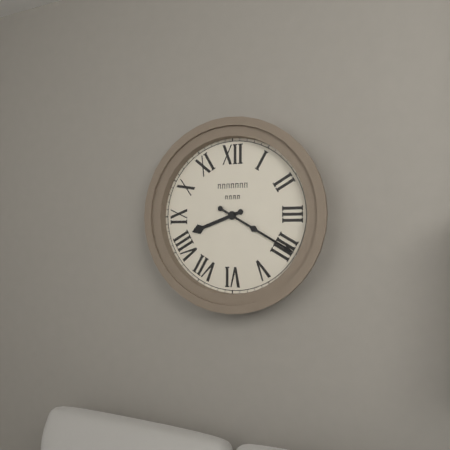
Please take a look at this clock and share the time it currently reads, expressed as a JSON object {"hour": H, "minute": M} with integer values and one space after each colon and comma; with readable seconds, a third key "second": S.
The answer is {"hour": 8, "minute": 20}
